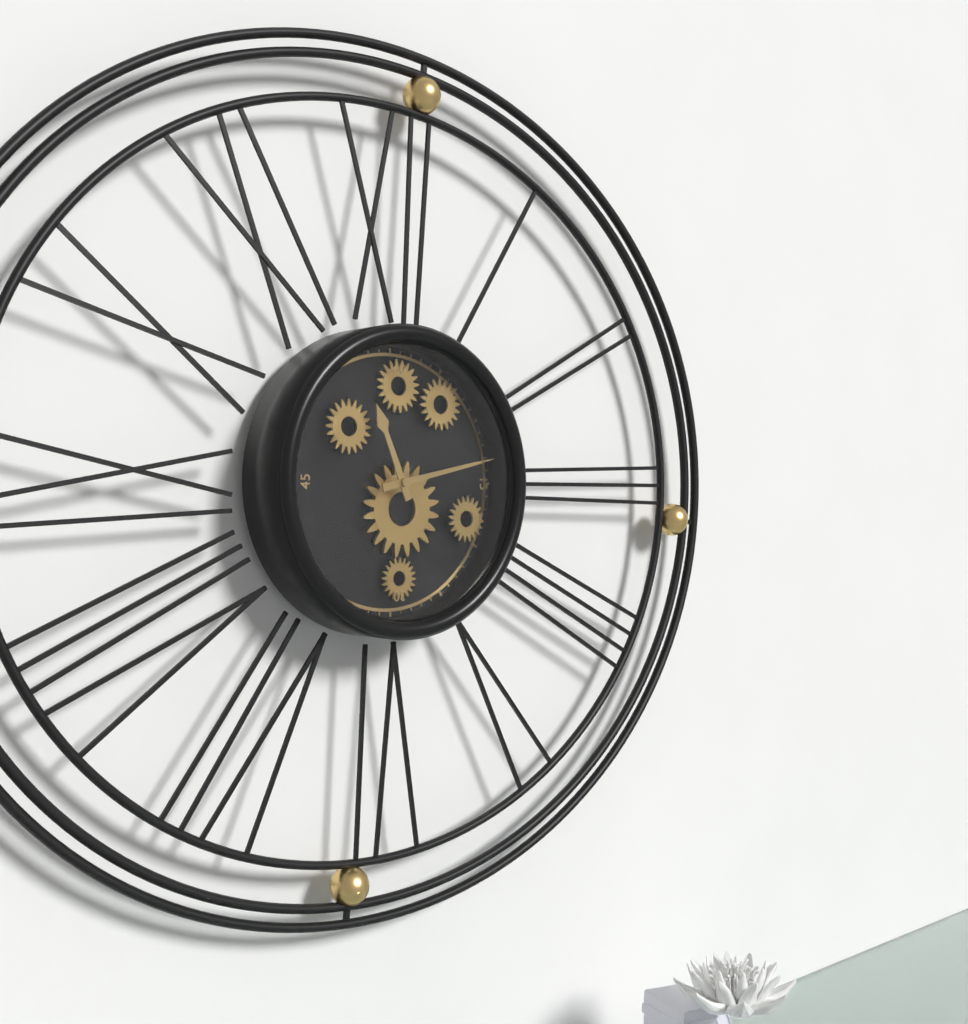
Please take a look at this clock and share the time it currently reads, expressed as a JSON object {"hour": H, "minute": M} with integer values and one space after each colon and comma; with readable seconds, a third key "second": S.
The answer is {"hour": 11, "minute": 13}
